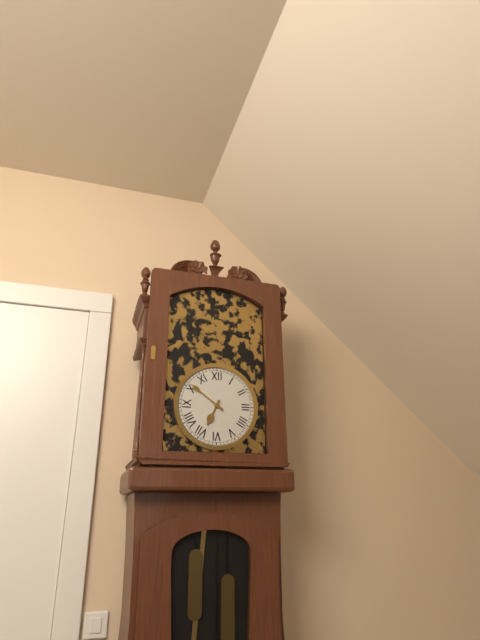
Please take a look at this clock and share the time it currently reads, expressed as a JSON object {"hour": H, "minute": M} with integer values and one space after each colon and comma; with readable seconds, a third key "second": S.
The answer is {"hour": 6, "minute": 51}
